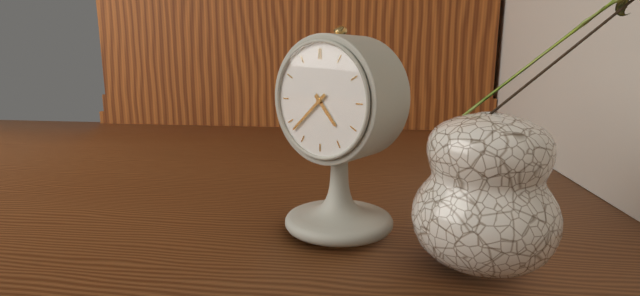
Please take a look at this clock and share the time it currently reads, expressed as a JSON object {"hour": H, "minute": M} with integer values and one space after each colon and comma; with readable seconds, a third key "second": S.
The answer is {"hour": 4, "minute": 38}
